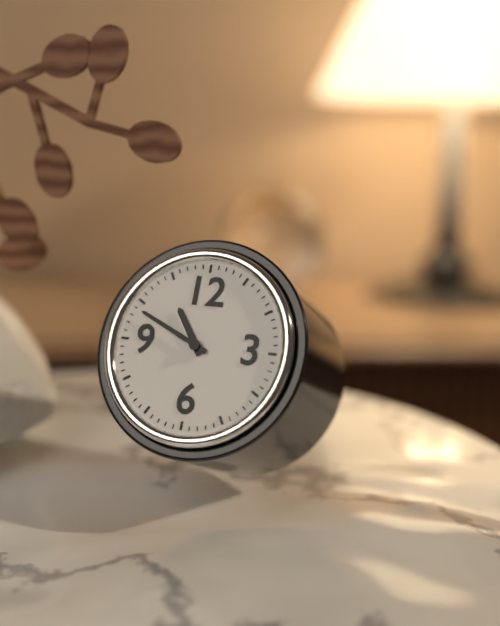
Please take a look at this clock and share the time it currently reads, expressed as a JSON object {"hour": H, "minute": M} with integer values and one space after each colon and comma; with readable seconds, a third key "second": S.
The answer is {"hour": 10, "minute": 49}
